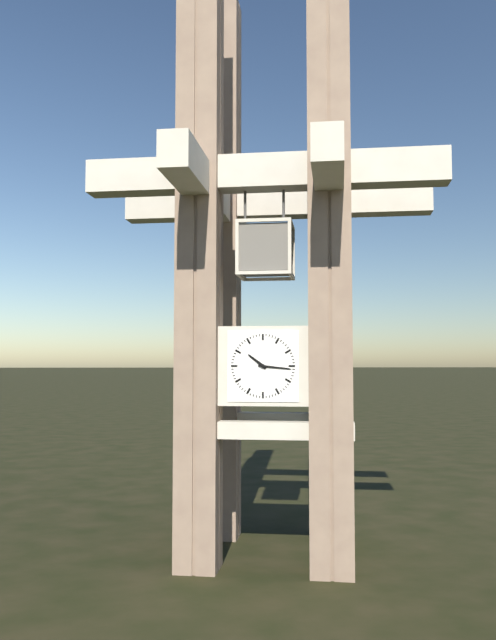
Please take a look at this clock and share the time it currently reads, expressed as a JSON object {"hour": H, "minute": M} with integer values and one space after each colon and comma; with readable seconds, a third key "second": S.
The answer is {"hour": 10, "minute": 16}
